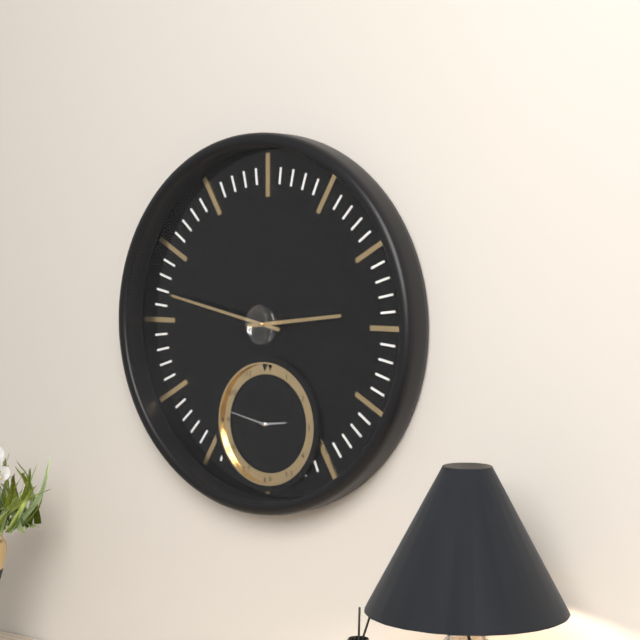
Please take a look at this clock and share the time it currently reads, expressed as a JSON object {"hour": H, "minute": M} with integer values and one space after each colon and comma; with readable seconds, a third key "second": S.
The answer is {"hour": 2, "minute": 47}
